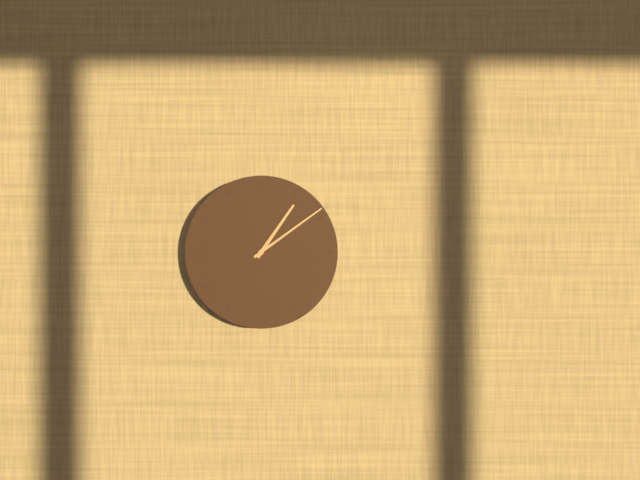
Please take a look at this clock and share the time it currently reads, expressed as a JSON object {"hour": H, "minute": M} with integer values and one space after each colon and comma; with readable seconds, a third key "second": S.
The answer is {"hour": 1, "minute": 9}
